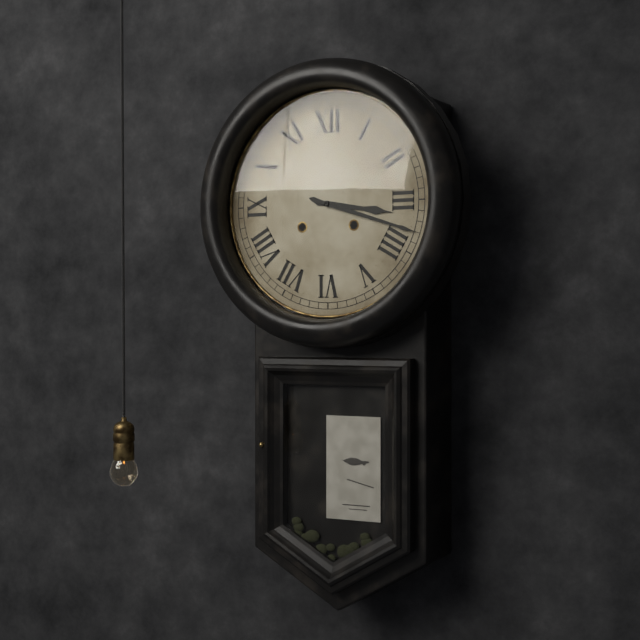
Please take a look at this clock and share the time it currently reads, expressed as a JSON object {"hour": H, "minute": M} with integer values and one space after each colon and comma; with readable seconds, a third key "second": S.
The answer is {"hour": 3, "minute": 18}
